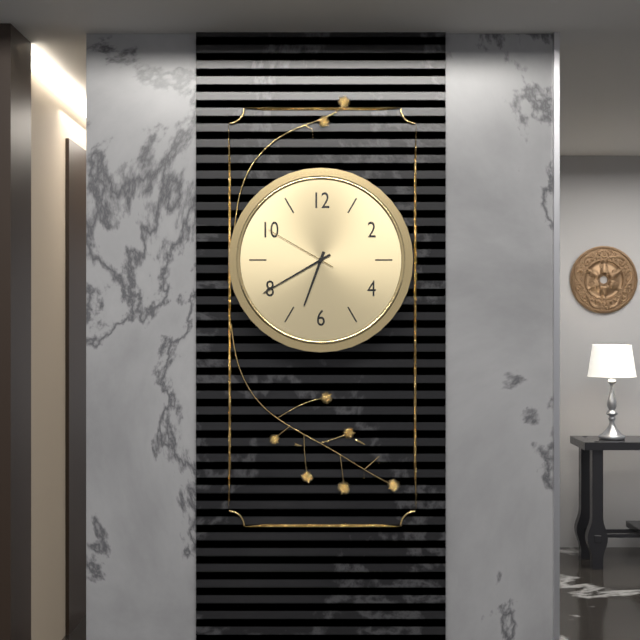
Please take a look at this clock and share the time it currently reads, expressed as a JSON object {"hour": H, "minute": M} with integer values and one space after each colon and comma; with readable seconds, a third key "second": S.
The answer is {"hour": 6, "minute": 40, "second": 50}
